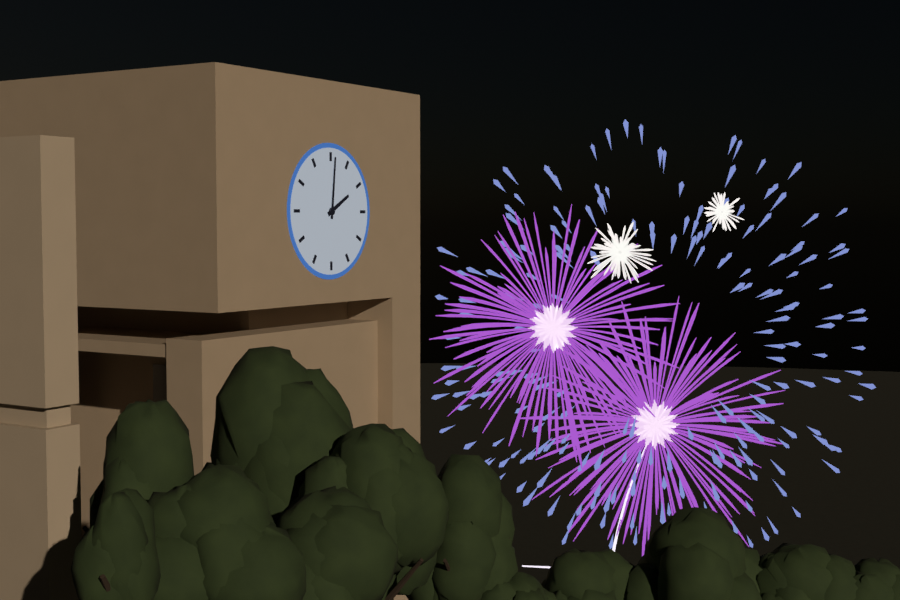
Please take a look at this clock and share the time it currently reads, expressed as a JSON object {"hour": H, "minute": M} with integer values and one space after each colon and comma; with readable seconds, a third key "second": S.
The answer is {"hour": 2, "minute": 1}
